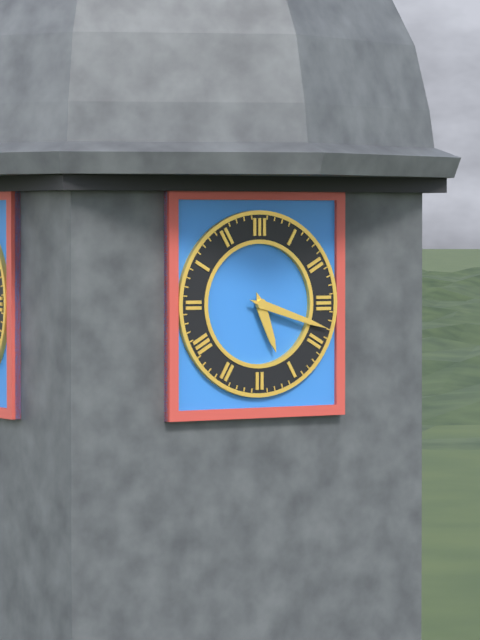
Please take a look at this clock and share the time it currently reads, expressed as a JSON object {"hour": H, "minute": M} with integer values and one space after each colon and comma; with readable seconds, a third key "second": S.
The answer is {"hour": 5, "minute": 18}
